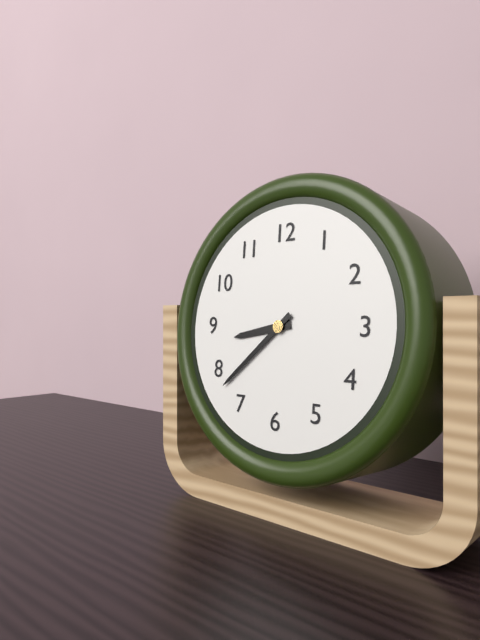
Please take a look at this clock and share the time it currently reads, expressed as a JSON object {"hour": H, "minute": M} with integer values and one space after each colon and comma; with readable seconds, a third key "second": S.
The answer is {"hour": 8, "minute": 38}
